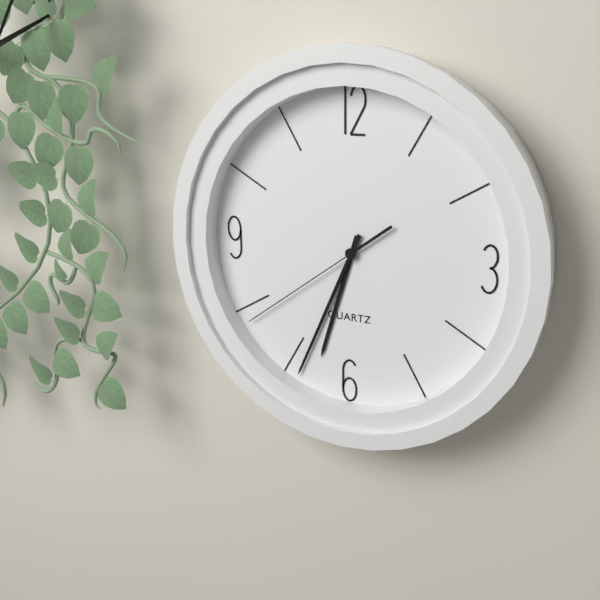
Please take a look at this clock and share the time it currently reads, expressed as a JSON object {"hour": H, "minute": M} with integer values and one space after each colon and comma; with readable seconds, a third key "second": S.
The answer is {"hour": 6, "minute": 34, "second": 39}
